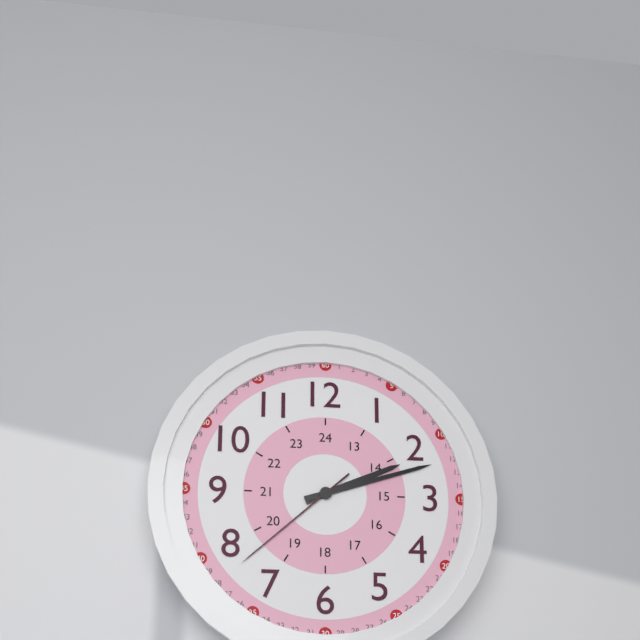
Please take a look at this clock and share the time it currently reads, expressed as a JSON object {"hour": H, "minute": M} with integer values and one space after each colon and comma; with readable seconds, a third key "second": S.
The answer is {"hour": 2, "minute": 12, "second": 38}
